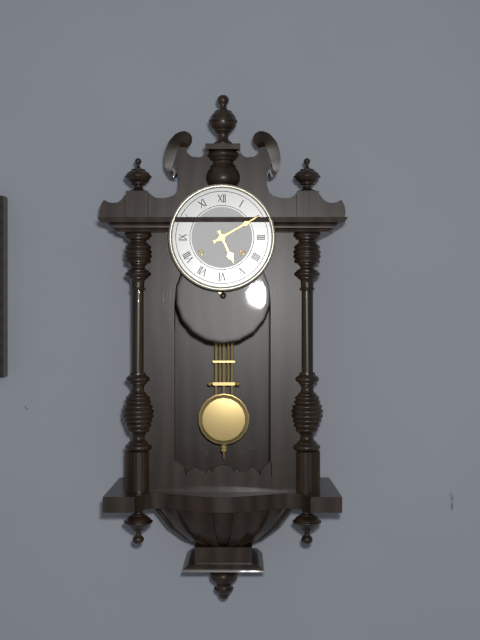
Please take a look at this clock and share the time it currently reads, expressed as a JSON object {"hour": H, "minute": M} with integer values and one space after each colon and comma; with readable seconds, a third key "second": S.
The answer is {"hour": 5, "minute": 10}
